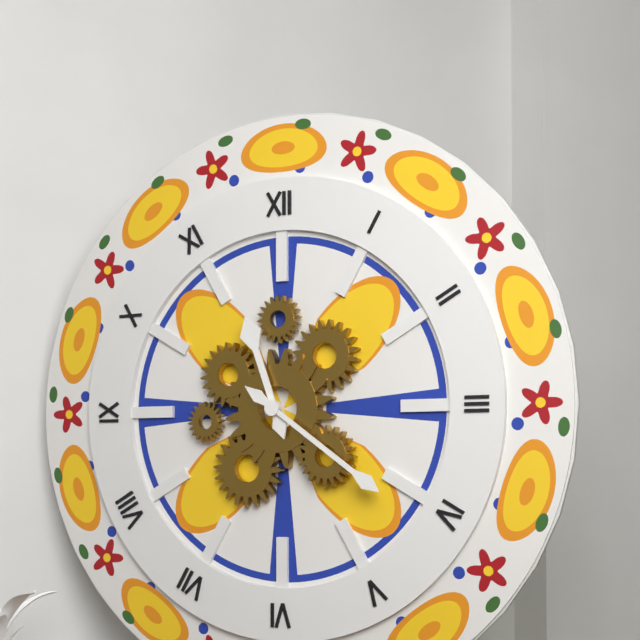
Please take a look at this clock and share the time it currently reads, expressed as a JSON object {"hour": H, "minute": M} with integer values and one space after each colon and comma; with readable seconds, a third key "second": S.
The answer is {"hour": 11, "minute": 21}
